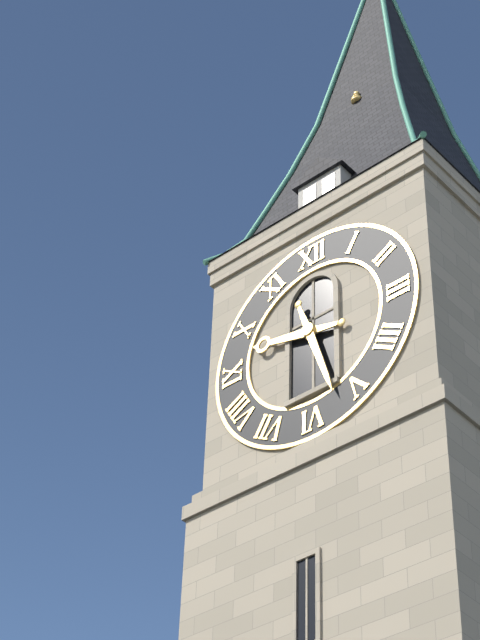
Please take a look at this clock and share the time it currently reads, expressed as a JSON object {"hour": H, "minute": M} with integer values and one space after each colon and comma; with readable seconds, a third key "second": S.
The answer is {"hour": 9, "minute": 27}
